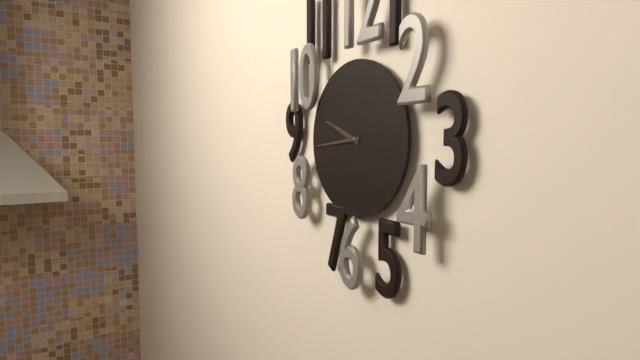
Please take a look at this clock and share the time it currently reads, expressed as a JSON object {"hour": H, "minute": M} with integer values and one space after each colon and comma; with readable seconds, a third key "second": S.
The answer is {"hour": 9, "minute": 44}
